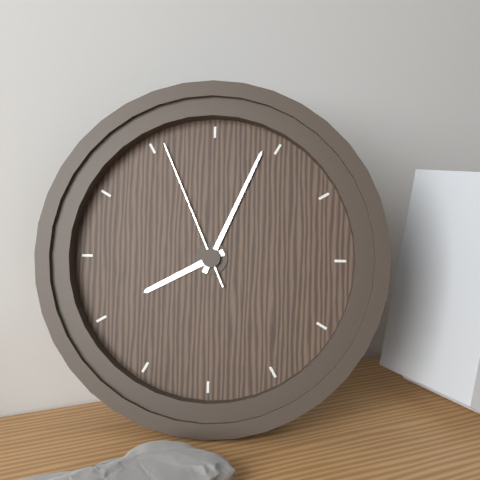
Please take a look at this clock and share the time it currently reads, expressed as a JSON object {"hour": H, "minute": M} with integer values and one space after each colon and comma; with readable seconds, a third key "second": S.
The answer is {"hour": 8, "minute": 4, "second": 56}
